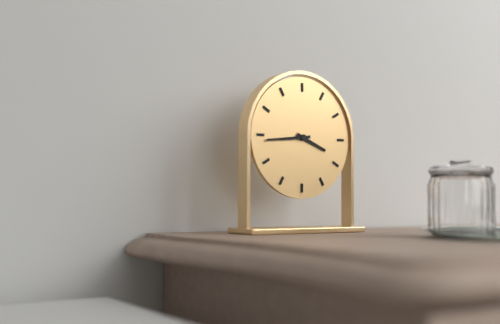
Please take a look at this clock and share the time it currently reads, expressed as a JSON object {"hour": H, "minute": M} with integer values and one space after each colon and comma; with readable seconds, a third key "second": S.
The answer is {"hour": 3, "minute": 44}
